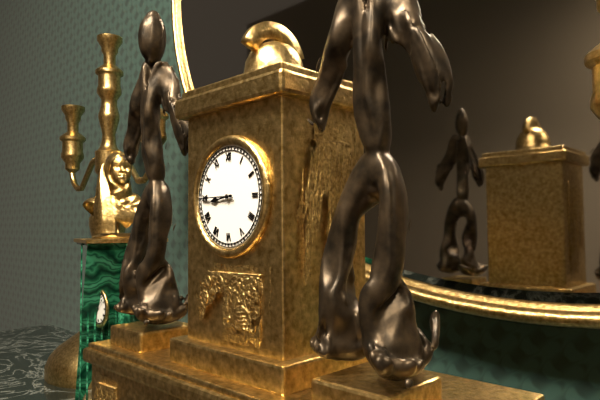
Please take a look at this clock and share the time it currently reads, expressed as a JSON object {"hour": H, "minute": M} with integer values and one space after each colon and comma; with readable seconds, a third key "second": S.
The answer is {"hour": 8, "minute": 45}
